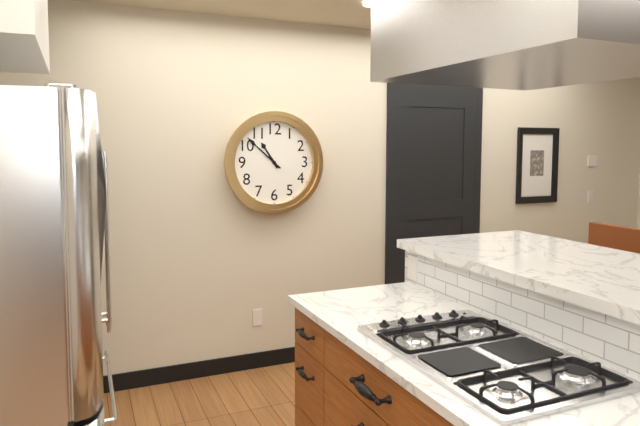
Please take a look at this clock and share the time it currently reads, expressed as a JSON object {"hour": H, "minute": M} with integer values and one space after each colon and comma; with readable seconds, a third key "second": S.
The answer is {"hour": 10, "minute": 52}
